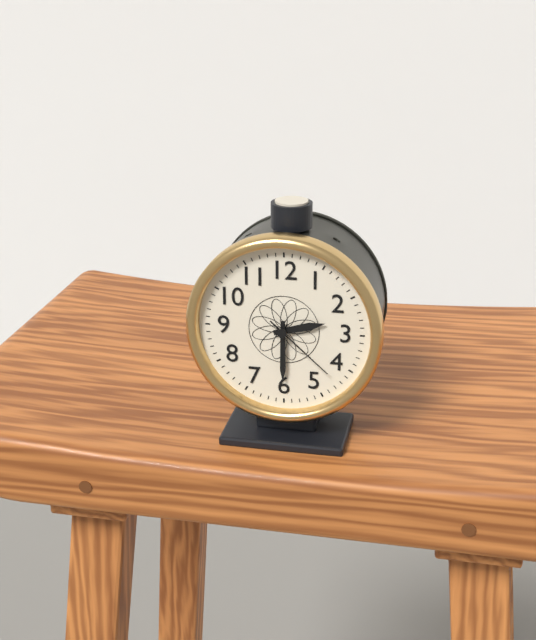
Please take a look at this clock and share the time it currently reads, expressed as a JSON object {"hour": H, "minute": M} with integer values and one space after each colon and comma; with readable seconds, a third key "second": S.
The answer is {"hour": 2, "minute": 30, "second": 22}
